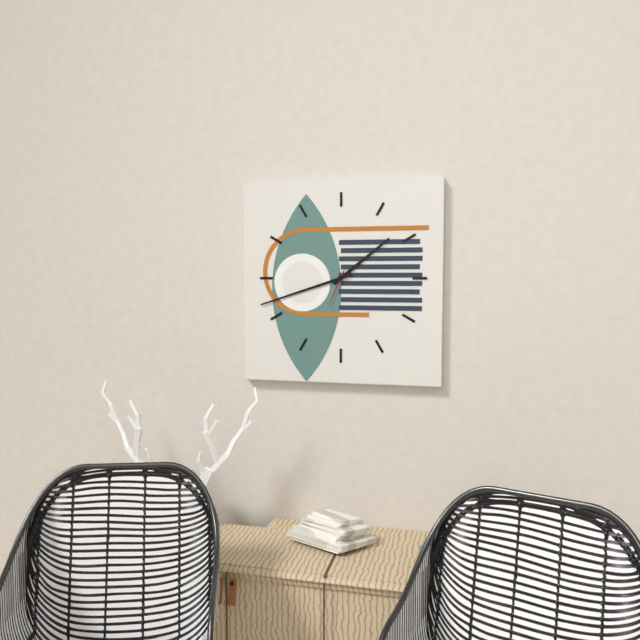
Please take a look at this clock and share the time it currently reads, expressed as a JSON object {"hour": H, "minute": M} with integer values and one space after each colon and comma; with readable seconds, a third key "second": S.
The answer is {"hour": 1, "minute": 42}
